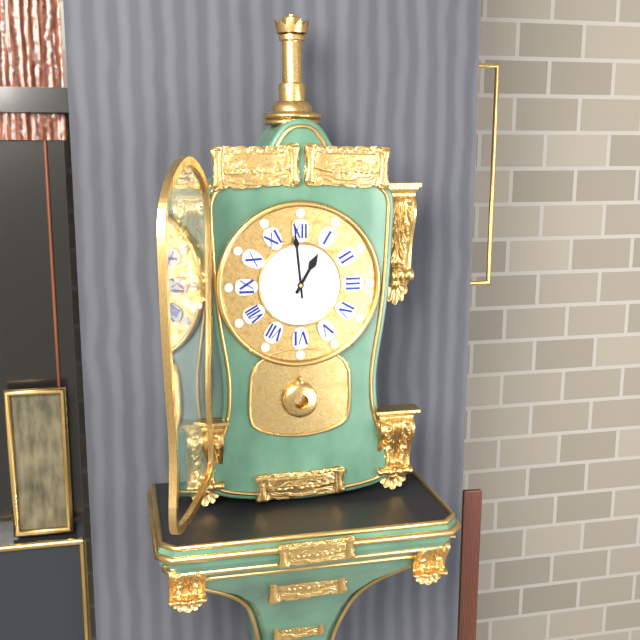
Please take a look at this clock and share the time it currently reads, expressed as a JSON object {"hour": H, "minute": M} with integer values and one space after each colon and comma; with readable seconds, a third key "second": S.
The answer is {"hour": 12, "minute": 59}
